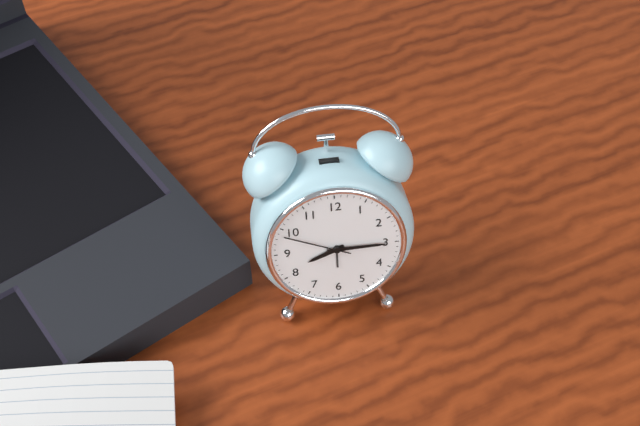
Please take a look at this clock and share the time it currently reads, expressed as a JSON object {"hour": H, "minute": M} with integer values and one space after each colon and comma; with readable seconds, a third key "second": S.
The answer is {"hour": 8, "minute": 15, "second": 49}
